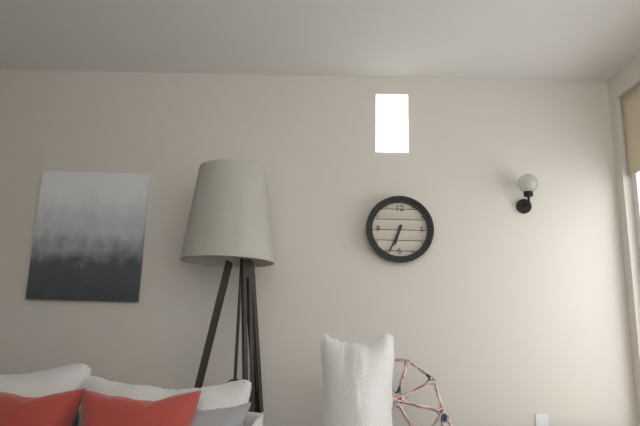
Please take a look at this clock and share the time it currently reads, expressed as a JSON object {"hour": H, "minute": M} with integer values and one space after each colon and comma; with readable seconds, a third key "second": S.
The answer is {"hour": 6, "minute": 34}
